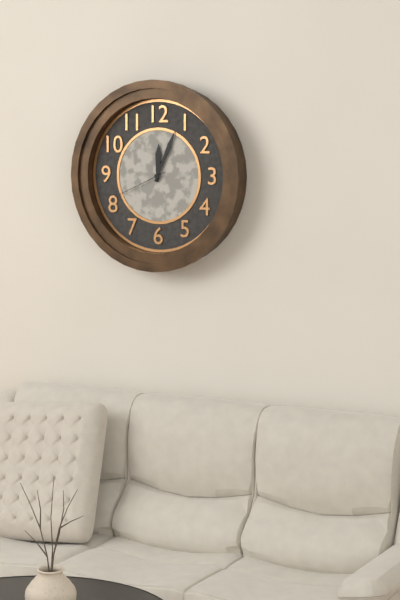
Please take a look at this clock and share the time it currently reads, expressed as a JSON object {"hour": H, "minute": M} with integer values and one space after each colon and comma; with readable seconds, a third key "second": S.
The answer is {"hour": 12, "minute": 4, "second": 41}
